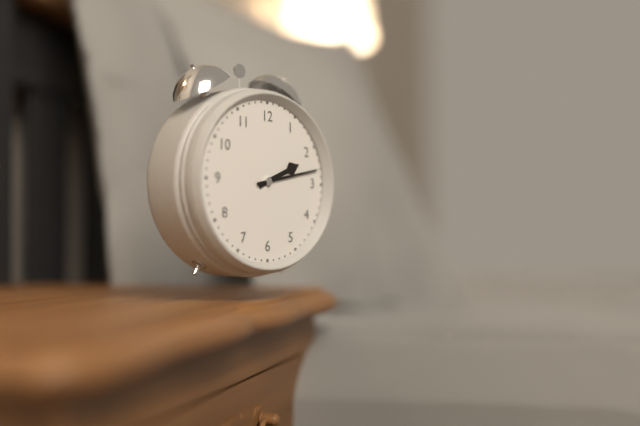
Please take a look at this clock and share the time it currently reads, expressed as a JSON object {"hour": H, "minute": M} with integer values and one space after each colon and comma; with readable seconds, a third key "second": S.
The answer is {"hour": 2, "minute": 13}
